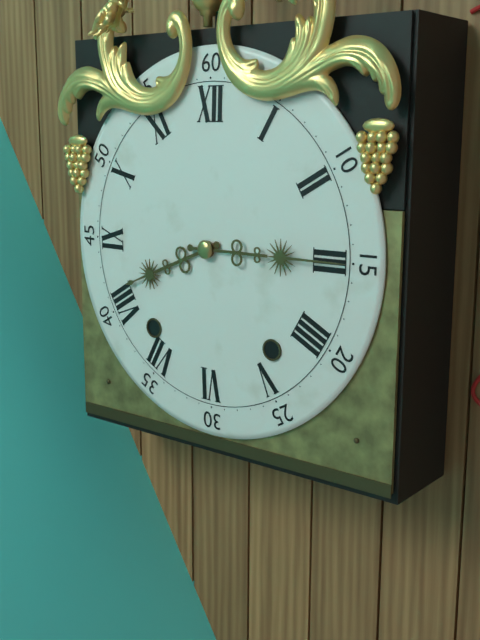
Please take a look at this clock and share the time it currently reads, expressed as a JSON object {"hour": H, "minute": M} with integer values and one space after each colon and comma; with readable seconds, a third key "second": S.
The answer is {"hour": 8, "minute": 15}
